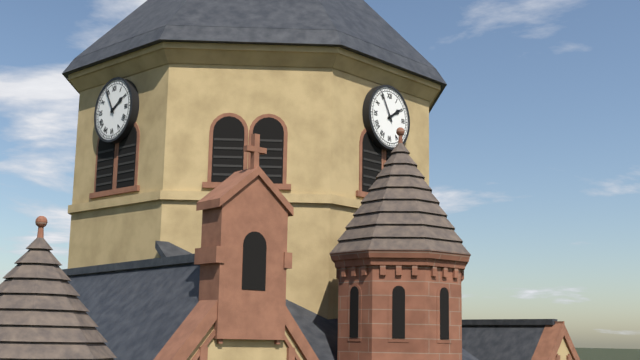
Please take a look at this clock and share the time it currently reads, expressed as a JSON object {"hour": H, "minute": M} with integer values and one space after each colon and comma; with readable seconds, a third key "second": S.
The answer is {"hour": 1, "minute": 55}
